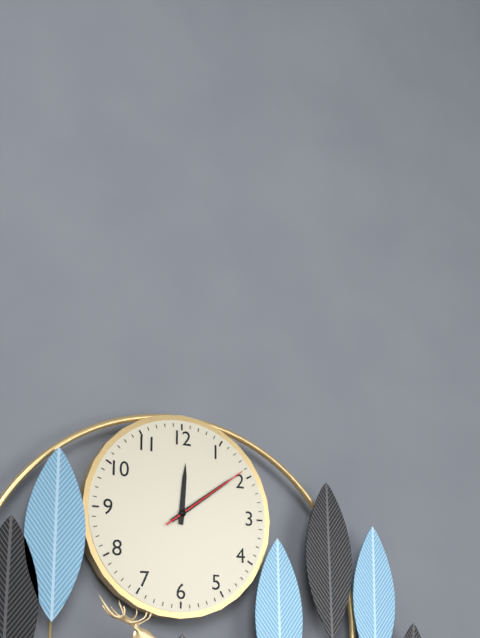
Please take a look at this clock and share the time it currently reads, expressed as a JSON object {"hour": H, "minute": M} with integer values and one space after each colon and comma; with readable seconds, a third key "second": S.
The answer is {"hour": 12, "minute": 9, "second": 9}
